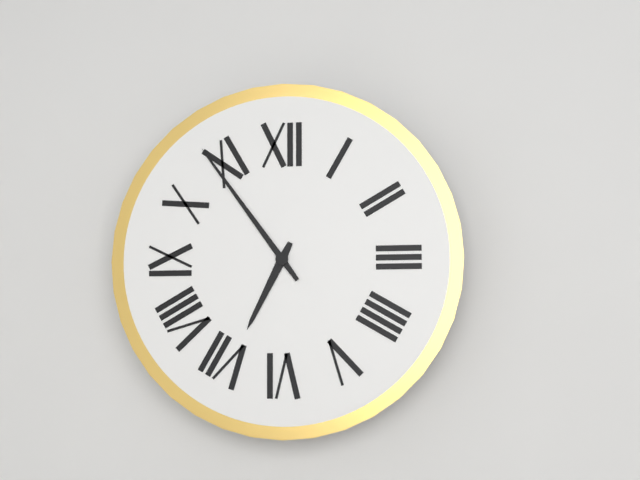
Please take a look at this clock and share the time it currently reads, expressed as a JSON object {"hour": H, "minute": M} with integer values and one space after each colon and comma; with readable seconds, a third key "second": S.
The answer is {"hour": 6, "minute": 54}
